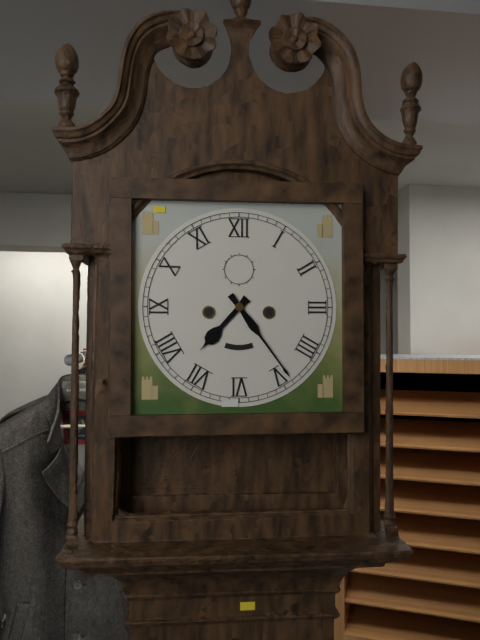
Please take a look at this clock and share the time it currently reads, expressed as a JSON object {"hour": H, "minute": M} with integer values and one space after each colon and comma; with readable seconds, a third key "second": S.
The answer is {"hour": 7, "minute": 24}
